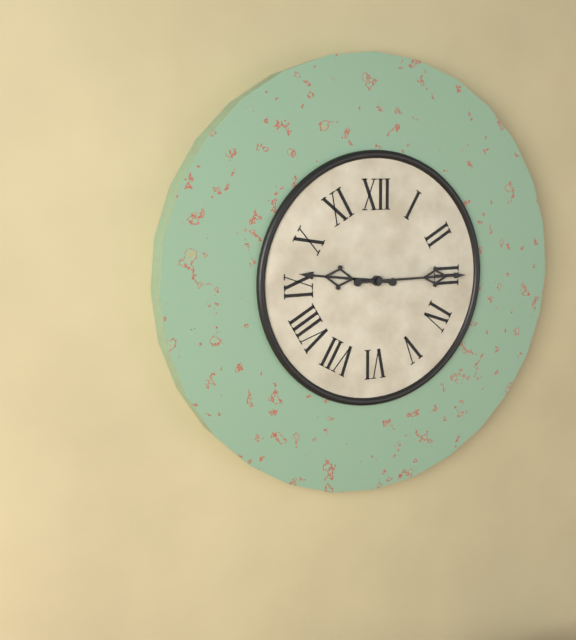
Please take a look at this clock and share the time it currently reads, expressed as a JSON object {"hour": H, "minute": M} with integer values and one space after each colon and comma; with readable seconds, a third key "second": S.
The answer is {"hour": 9, "minute": 15}
